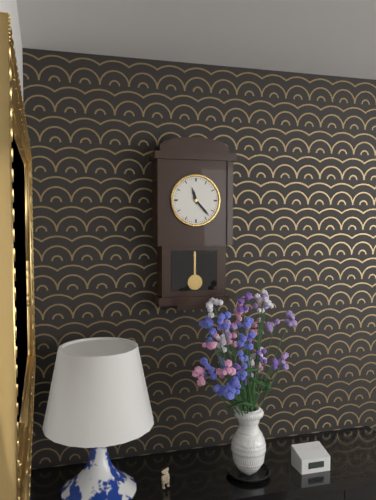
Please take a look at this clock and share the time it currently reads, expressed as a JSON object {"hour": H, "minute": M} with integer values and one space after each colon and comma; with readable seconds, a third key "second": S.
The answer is {"hour": 11, "minute": 23}
